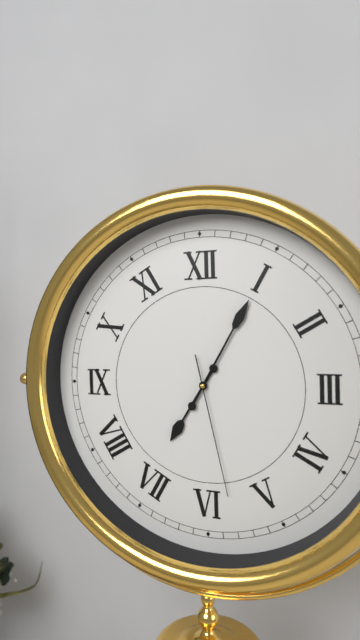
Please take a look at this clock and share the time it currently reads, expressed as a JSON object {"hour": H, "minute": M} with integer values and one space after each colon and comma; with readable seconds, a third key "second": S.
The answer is {"hour": 7, "minute": 5, "second": 28}
